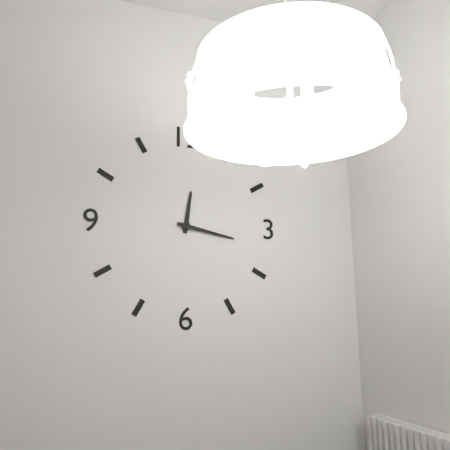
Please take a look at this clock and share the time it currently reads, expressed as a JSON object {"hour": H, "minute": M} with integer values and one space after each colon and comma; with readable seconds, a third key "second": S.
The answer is {"hour": 12, "minute": 17}
